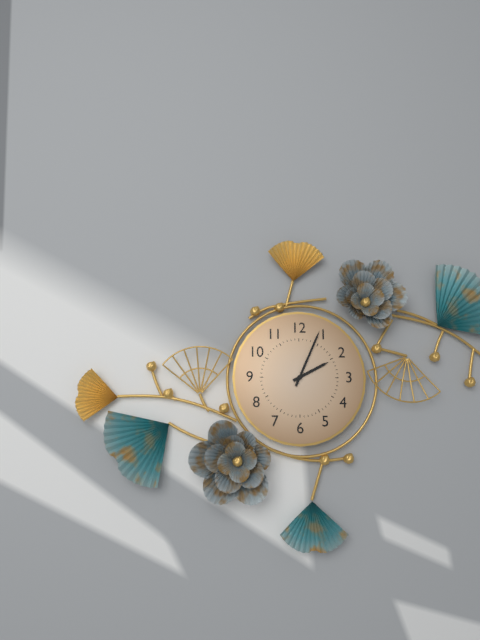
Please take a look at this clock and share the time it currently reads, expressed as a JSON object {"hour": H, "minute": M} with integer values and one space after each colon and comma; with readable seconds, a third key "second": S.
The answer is {"hour": 2, "minute": 4}
